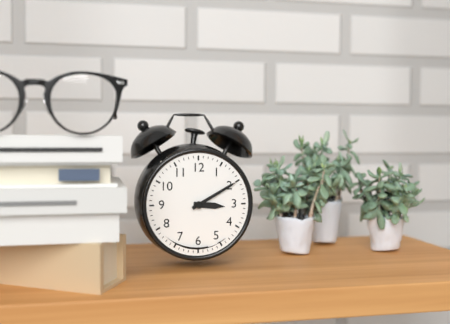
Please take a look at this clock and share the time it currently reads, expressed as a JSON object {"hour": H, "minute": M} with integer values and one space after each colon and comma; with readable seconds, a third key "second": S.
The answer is {"hour": 3, "minute": 10}
